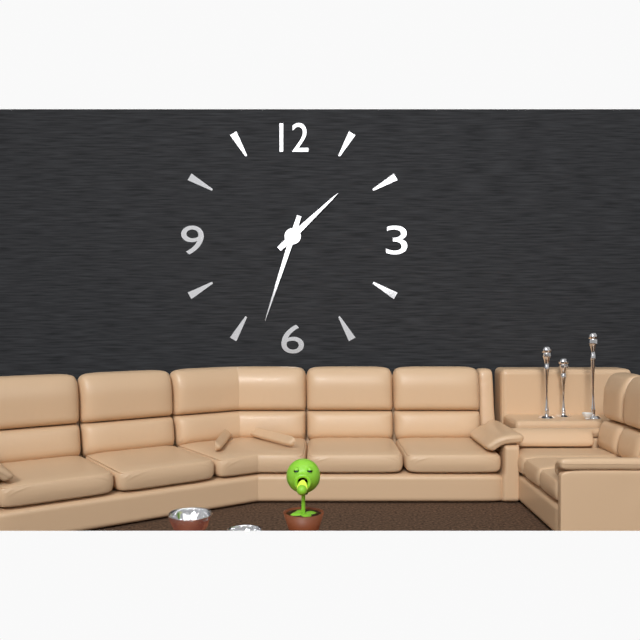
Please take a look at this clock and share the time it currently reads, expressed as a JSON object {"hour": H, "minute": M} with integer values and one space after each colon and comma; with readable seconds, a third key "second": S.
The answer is {"hour": 1, "minute": 33}
